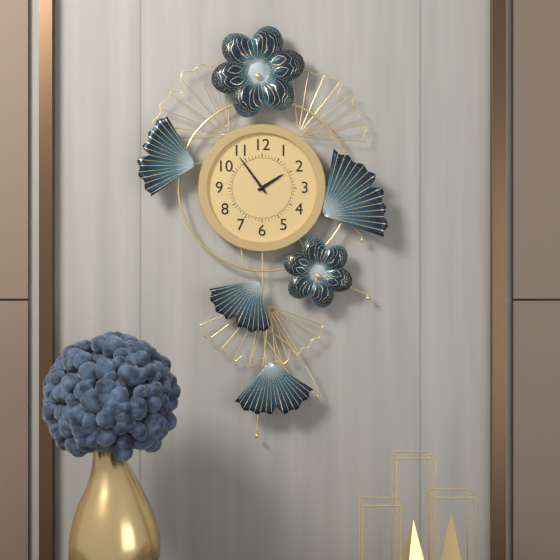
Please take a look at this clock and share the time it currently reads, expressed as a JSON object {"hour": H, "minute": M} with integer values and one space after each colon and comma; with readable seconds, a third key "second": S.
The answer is {"hour": 1, "minute": 54}
